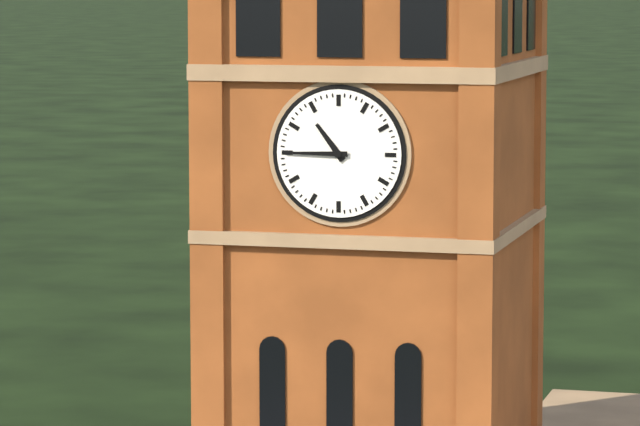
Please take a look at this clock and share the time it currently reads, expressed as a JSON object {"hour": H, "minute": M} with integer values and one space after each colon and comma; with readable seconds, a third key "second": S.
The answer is {"hour": 10, "minute": 45}
